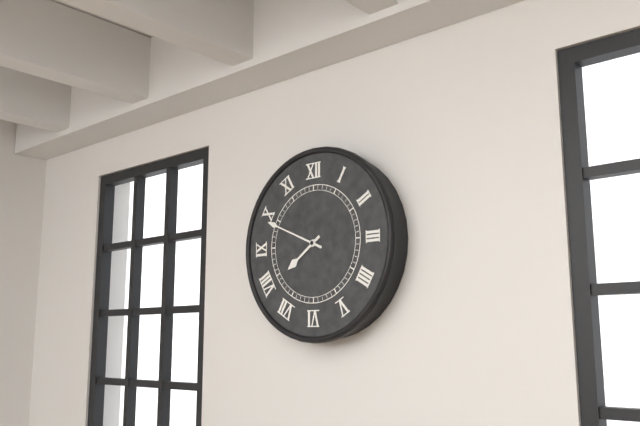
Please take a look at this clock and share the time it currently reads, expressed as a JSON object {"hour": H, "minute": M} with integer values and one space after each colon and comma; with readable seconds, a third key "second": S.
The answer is {"hour": 7, "minute": 49}
